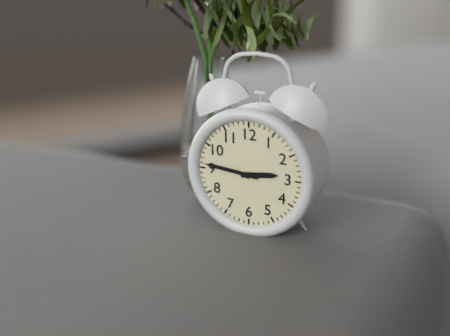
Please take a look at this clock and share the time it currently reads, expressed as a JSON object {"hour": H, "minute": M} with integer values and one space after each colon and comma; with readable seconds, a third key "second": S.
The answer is {"hour": 2, "minute": 46}
